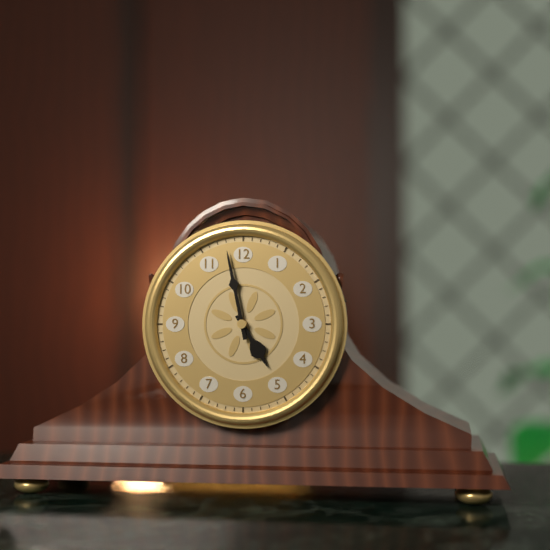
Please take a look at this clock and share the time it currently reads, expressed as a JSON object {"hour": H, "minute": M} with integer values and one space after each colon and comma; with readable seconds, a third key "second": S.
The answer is {"hour": 4, "minute": 58}
